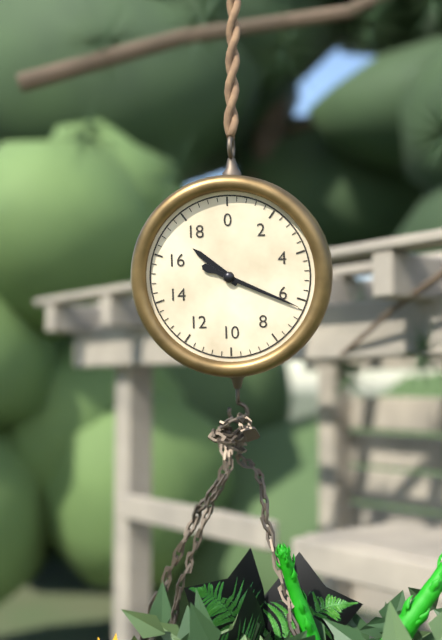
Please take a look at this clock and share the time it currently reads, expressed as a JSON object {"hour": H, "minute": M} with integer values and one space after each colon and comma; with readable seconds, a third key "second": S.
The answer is {"hour": 10, "minute": 19}
